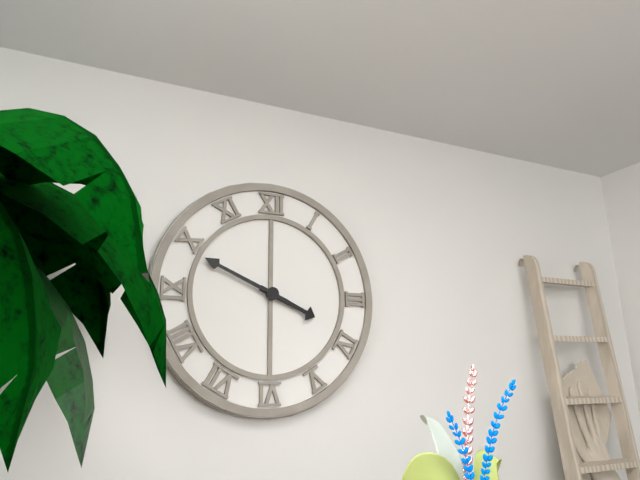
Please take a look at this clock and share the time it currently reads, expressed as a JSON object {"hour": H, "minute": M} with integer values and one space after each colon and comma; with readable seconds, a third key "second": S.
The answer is {"hour": 3, "minute": 49}
